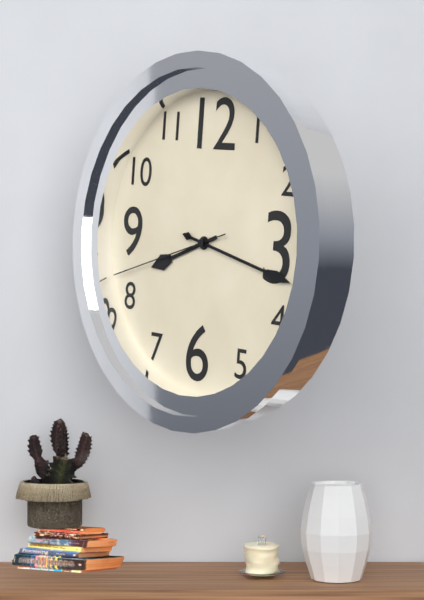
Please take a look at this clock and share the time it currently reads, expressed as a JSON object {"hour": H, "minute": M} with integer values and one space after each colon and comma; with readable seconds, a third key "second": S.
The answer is {"hour": 8, "minute": 17, "second": 42}
